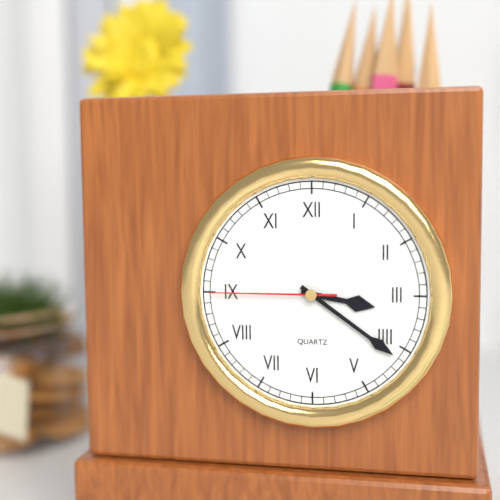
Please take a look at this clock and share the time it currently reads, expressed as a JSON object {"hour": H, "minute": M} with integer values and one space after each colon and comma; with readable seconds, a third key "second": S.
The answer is {"hour": 3, "minute": 21, "second": 45}
